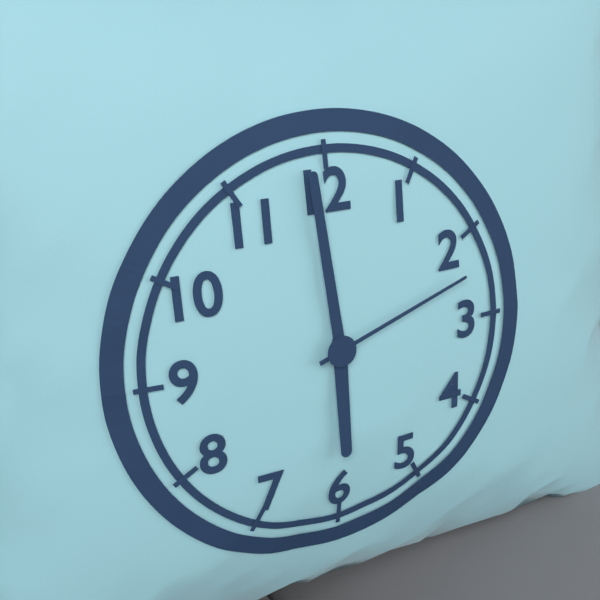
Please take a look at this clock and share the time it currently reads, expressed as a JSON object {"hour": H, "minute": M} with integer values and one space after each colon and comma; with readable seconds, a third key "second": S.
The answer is {"hour": 5, "minute": 59, "second": 12}
